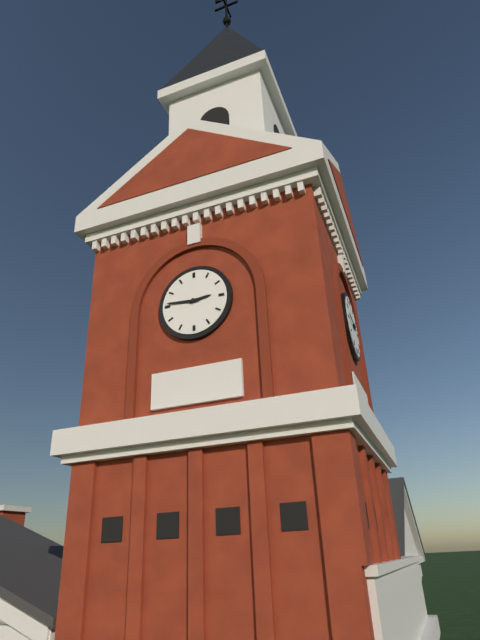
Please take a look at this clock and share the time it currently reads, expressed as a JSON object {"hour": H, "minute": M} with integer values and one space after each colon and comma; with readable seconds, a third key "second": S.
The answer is {"hour": 2, "minute": 46}
